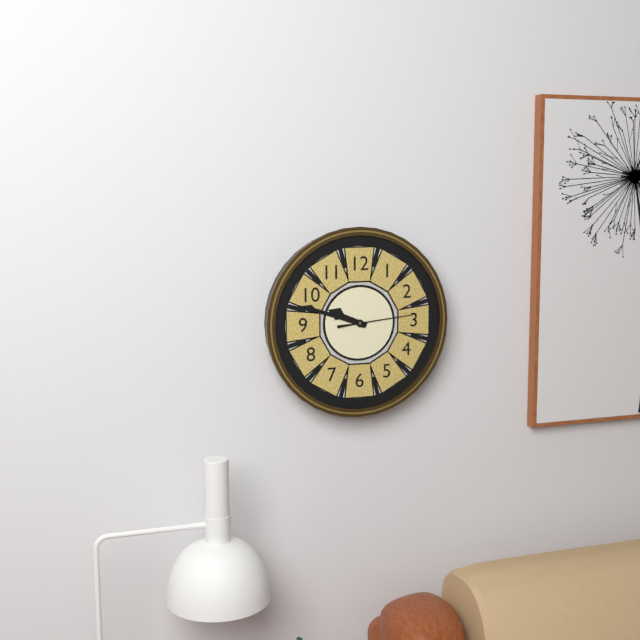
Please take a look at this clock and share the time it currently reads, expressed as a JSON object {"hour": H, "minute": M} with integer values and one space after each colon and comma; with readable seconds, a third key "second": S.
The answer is {"hour": 9, "minute": 48, "second": 14}
